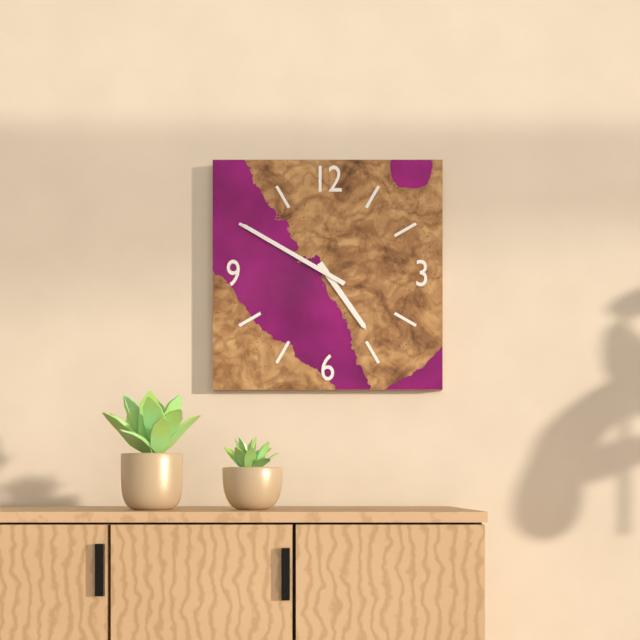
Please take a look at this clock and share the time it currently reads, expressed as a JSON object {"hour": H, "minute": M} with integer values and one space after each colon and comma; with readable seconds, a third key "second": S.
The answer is {"hour": 4, "minute": 50}
